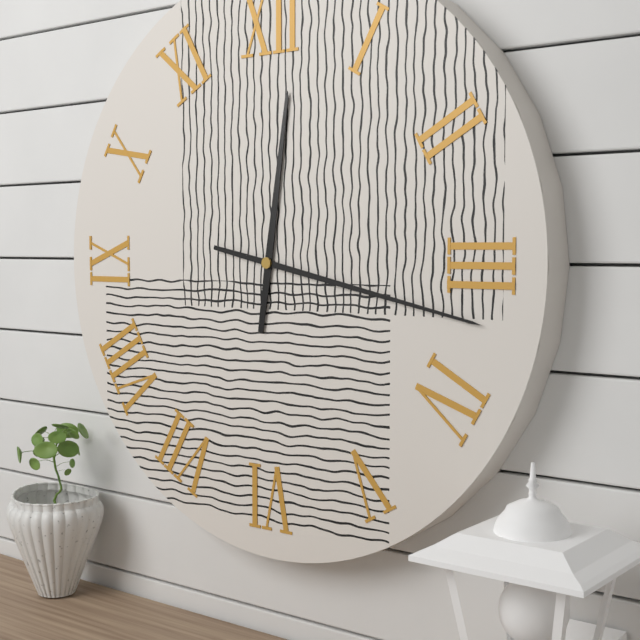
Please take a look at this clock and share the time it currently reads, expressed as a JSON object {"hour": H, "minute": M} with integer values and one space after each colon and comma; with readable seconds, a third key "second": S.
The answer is {"hour": 12, "minute": 17}
